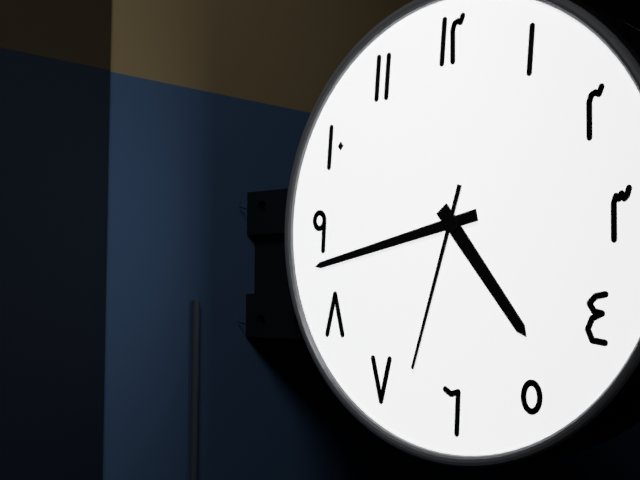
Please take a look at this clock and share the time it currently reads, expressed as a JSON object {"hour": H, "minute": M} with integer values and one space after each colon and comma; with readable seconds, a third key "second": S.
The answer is {"hour": 4, "minute": 43, "second": 33}
